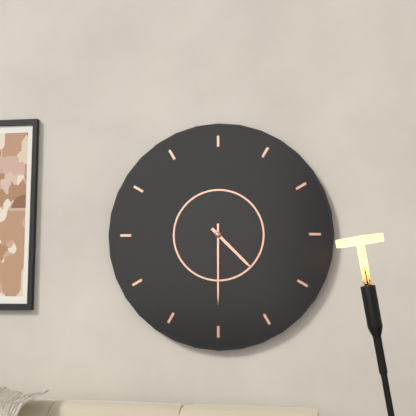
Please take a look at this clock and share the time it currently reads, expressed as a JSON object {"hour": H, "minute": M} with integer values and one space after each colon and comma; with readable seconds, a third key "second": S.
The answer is {"hour": 4, "minute": 30}
